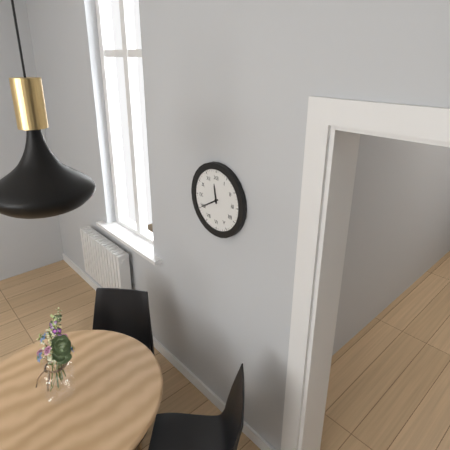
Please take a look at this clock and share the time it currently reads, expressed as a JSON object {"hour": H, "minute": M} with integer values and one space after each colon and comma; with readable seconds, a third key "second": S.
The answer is {"hour": 11, "minute": 40}
